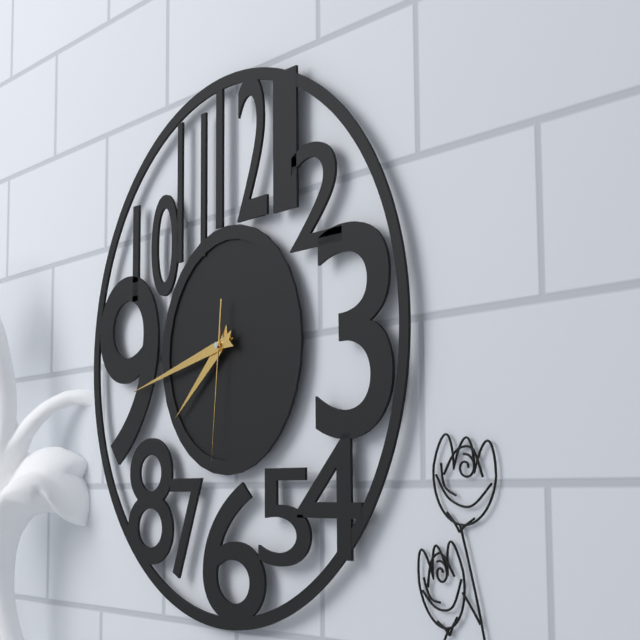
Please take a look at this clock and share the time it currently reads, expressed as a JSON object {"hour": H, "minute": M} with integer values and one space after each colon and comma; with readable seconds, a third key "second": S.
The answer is {"hour": 7, "minute": 43, "second": 31}
